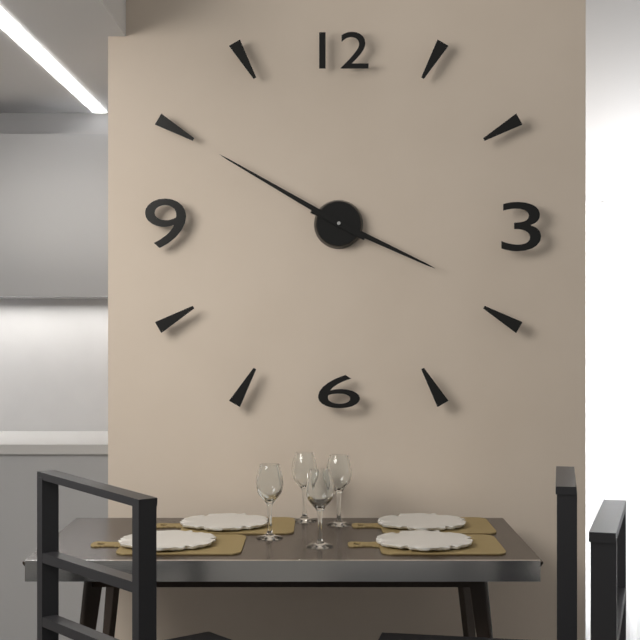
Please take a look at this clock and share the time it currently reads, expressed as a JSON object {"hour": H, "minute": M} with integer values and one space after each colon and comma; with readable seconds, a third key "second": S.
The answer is {"hour": 3, "minute": 50}
